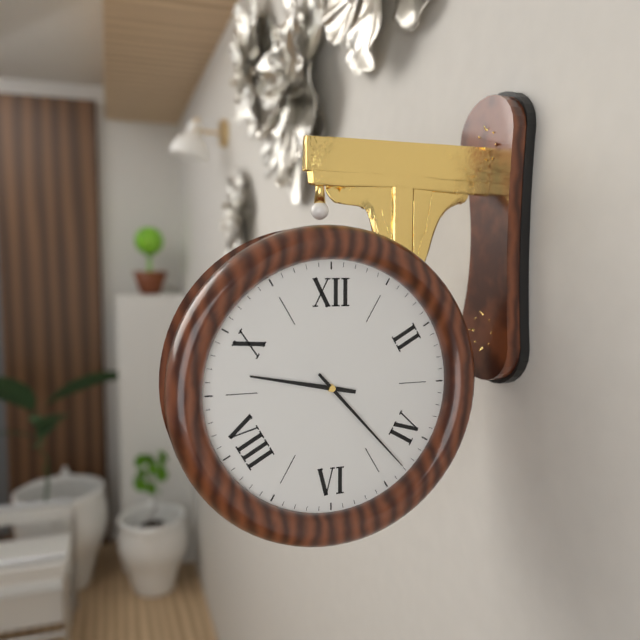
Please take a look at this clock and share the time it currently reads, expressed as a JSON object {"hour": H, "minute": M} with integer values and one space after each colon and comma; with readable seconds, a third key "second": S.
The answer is {"hour": 9, "minute": 23}
